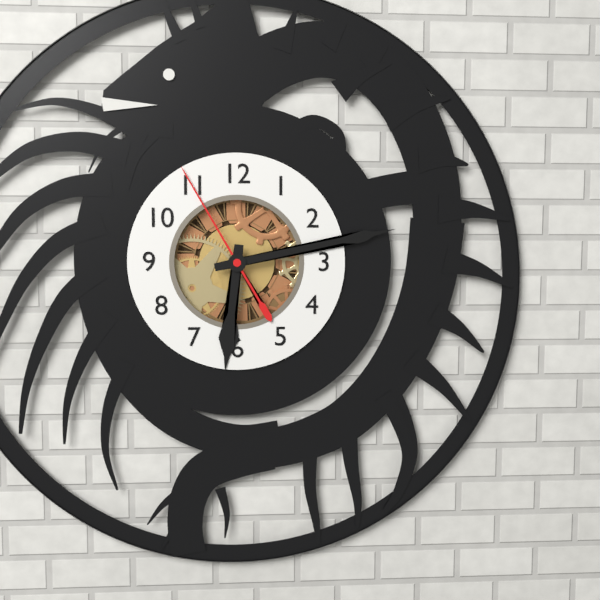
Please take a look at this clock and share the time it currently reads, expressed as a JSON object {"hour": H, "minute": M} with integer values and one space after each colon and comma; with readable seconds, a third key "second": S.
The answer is {"hour": 6, "minute": 13, "second": 55}
